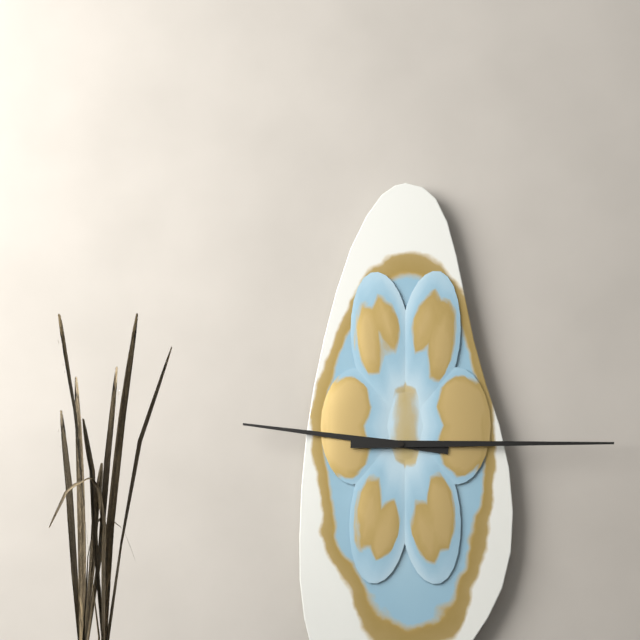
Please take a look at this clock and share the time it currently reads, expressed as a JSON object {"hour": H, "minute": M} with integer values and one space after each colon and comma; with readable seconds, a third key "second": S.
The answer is {"hour": 9, "minute": 15}
